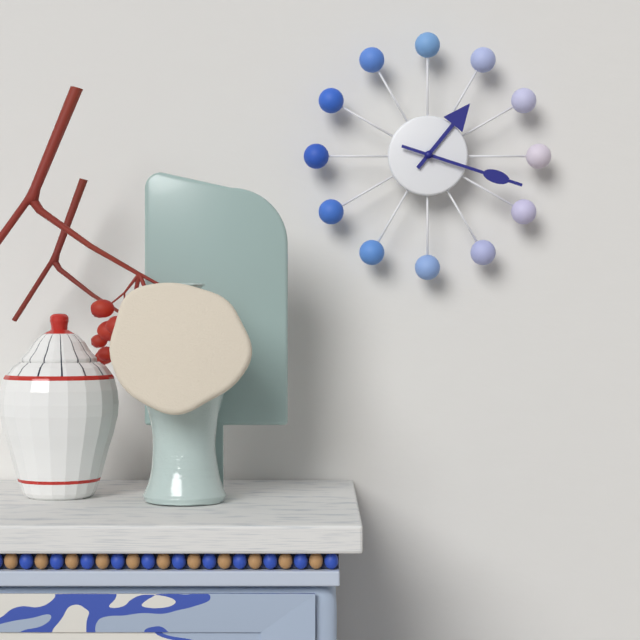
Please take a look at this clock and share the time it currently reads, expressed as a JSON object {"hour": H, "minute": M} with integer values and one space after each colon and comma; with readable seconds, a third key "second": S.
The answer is {"hour": 1, "minute": 18}
